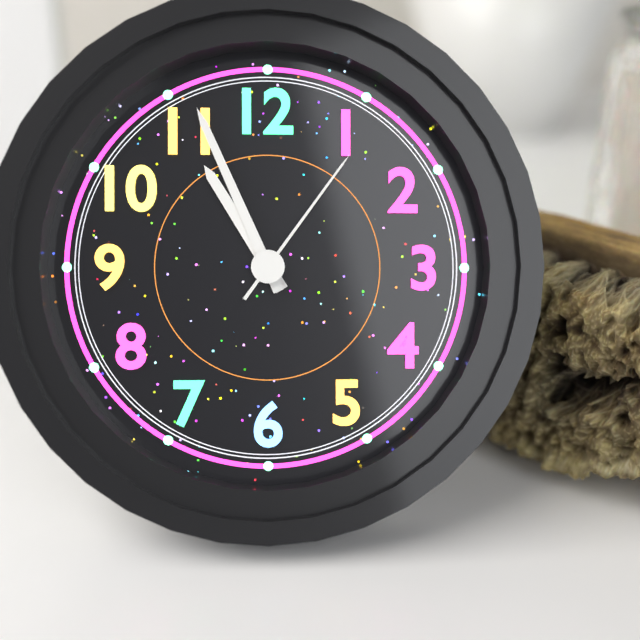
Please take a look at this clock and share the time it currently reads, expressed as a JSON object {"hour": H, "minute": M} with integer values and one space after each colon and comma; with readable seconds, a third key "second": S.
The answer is {"hour": 10, "minute": 56, "second": 6}
